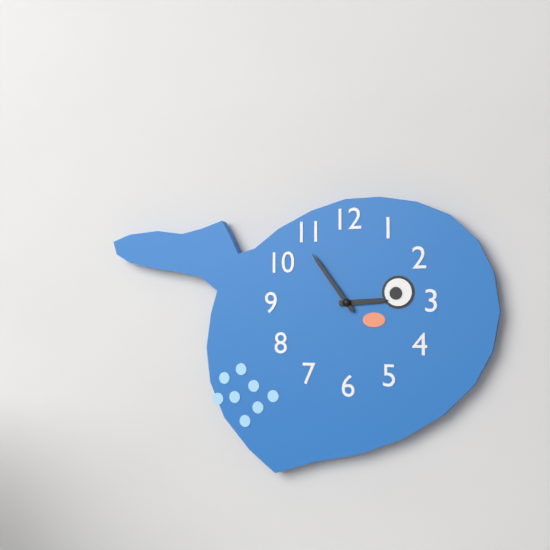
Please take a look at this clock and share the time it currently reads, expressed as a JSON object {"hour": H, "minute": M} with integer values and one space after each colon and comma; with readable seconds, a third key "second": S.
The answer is {"hour": 2, "minute": 54}
